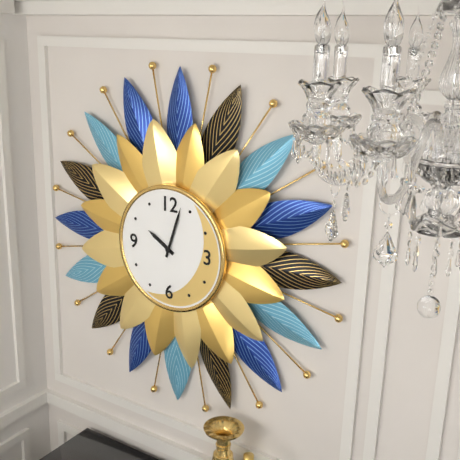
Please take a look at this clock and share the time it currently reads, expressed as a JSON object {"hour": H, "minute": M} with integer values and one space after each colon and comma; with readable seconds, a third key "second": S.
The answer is {"hour": 10, "minute": 3}
